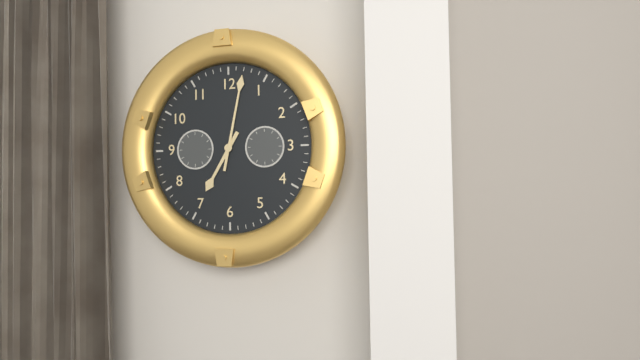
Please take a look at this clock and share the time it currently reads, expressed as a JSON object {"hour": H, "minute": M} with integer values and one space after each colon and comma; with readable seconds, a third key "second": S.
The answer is {"hour": 7, "minute": 2}
